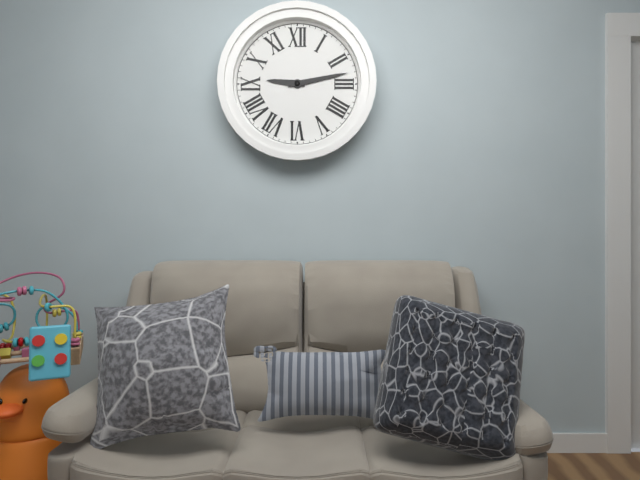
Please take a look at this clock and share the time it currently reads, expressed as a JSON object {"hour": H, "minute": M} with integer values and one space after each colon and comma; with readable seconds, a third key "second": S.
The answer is {"hour": 9, "minute": 13}
